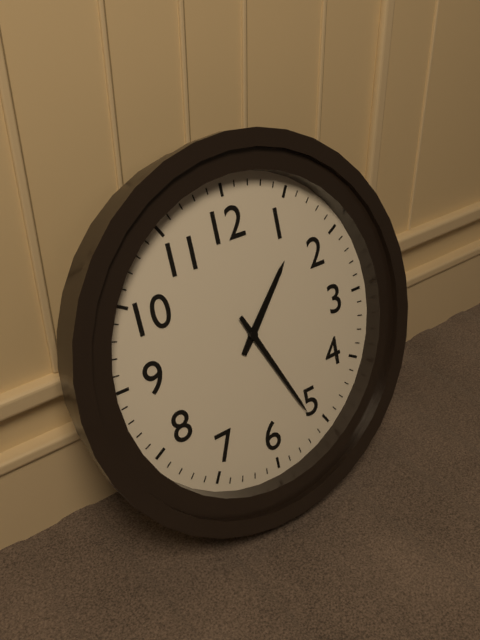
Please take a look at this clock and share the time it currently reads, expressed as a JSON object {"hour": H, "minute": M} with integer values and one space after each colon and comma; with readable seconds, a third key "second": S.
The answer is {"hour": 1, "minute": 26}
